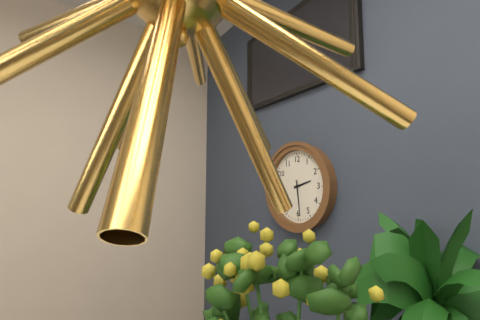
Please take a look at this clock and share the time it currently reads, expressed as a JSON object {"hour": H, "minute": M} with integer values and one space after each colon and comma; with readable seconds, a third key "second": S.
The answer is {"hour": 2, "minute": 29}
